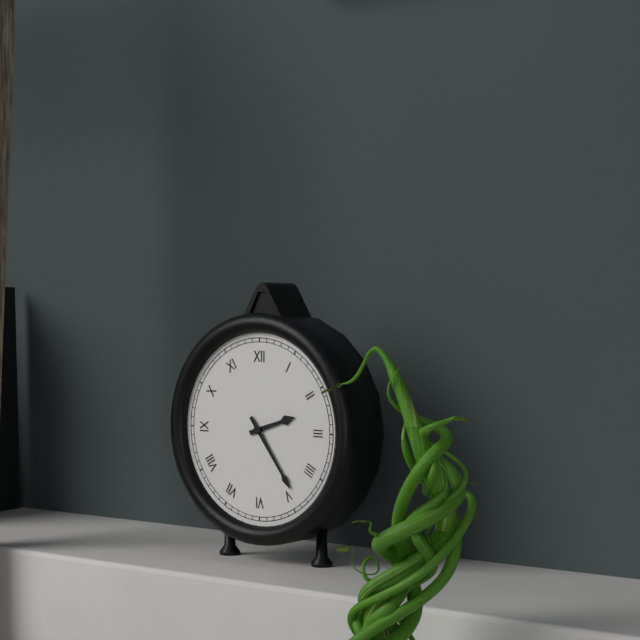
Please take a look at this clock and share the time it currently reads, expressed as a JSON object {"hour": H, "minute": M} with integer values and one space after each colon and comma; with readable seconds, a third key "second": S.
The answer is {"hour": 2, "minute": 24}
